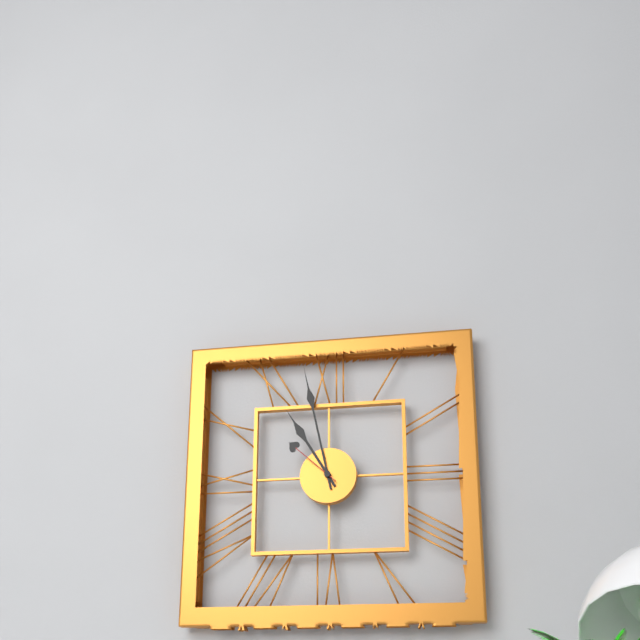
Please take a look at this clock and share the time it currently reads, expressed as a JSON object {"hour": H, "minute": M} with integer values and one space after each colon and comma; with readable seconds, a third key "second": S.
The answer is {"hour": 10, "minute": 58, "second": 52}
